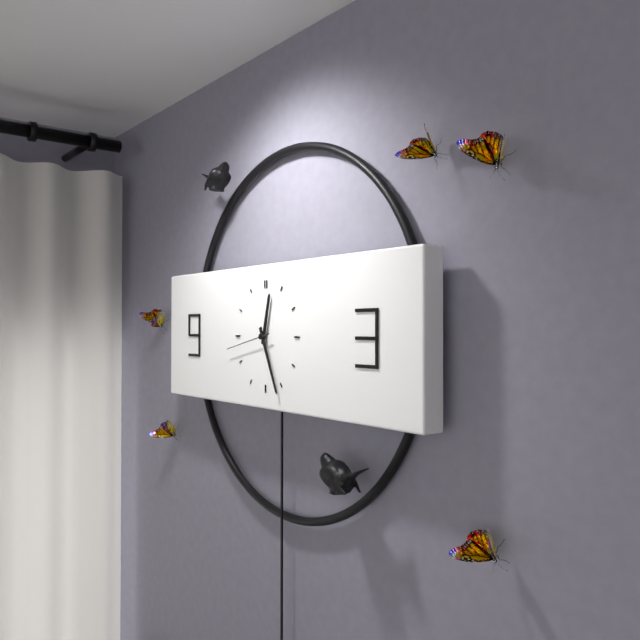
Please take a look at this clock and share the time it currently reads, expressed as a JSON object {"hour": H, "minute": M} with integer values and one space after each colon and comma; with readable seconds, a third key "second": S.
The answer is {"hour": 12, "minute": 26}
